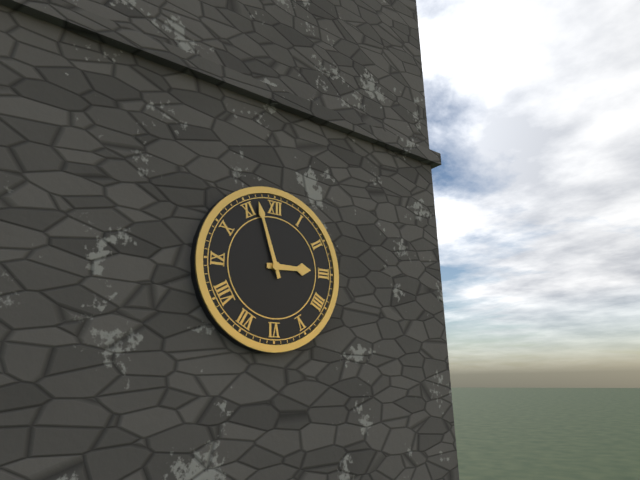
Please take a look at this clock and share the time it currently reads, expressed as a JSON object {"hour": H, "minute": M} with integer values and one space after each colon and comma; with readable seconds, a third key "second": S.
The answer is {"hour": 2, "minute": 57}
